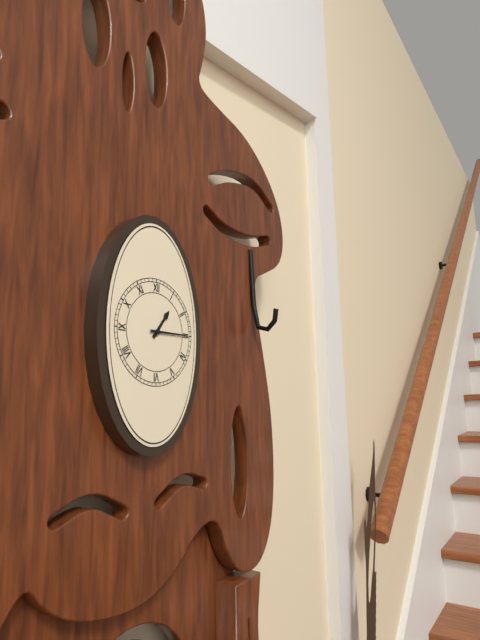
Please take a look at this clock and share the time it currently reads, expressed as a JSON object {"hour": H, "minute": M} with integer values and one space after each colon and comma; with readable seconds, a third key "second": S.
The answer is {"hour": 1, "minute": 15}
